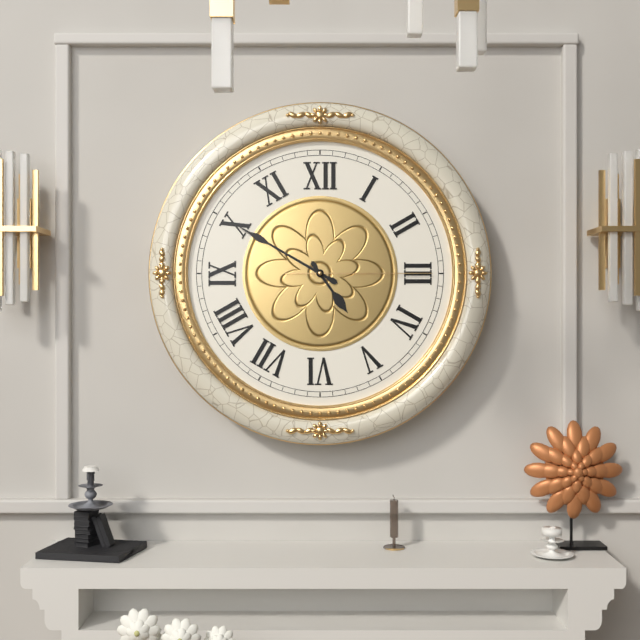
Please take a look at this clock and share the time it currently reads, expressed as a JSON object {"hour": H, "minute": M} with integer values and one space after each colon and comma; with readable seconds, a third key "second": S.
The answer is {"hour": 4, "minute": 50, "second": 15}
